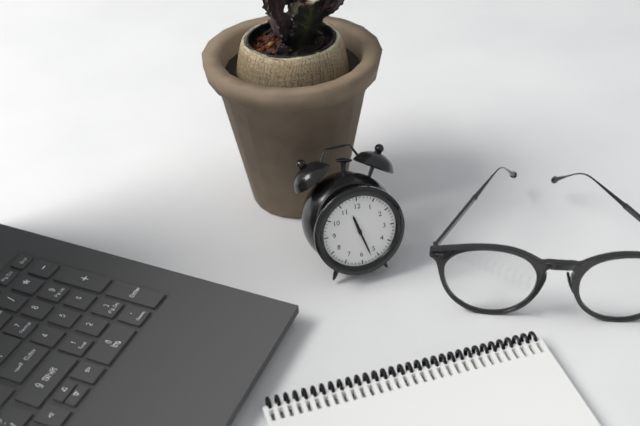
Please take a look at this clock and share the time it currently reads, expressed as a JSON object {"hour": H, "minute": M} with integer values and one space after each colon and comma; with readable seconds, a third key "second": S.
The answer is {"hour": 11, "minute": 27}
